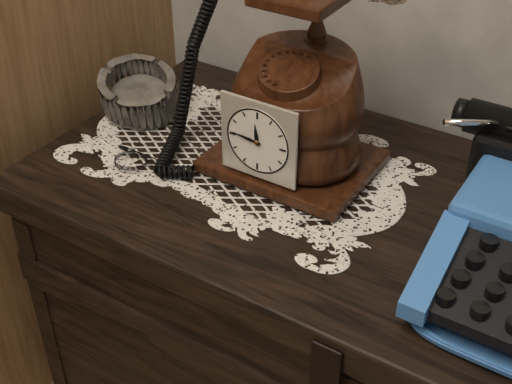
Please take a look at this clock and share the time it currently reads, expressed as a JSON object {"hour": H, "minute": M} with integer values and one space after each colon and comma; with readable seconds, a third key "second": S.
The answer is {"hour": 11, "minute": 46}
